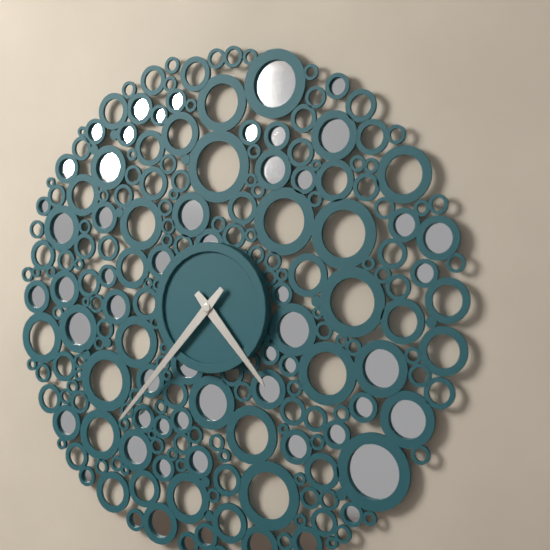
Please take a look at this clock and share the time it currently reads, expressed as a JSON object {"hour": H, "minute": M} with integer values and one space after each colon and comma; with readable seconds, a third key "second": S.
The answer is {"hour": 4, "minute": 37}
